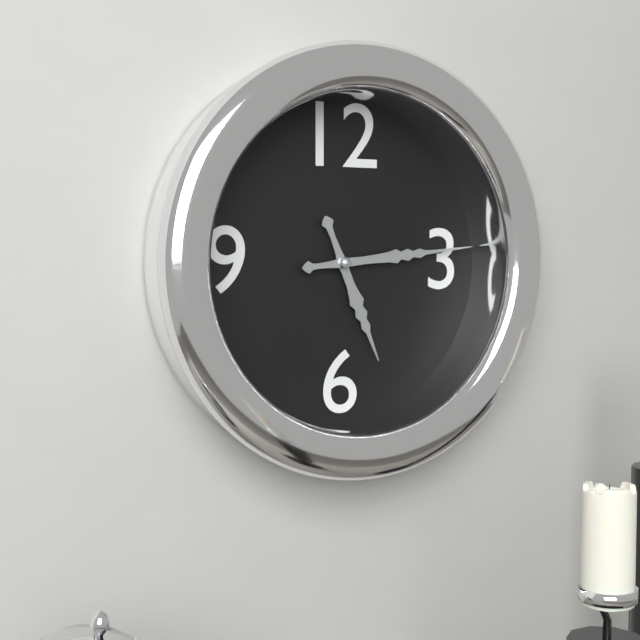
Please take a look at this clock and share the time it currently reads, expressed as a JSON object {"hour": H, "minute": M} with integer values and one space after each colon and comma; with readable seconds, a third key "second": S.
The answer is {"hour": 5, "minute": 14}
